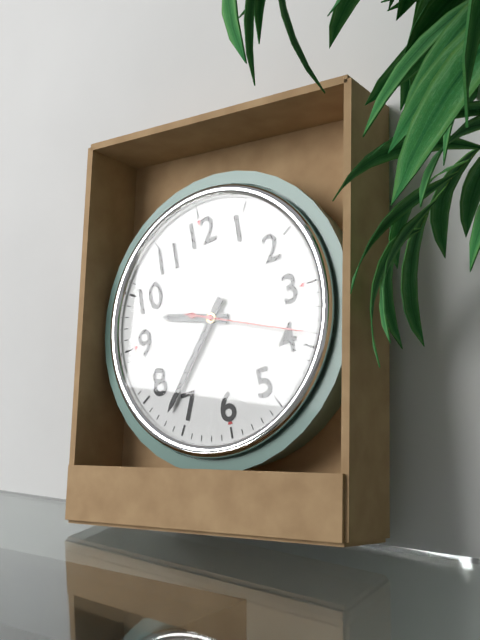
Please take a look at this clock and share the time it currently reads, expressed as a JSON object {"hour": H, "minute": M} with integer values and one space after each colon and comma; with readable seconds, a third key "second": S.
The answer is {"hour": 9, "minute": 37, "second": 19}
